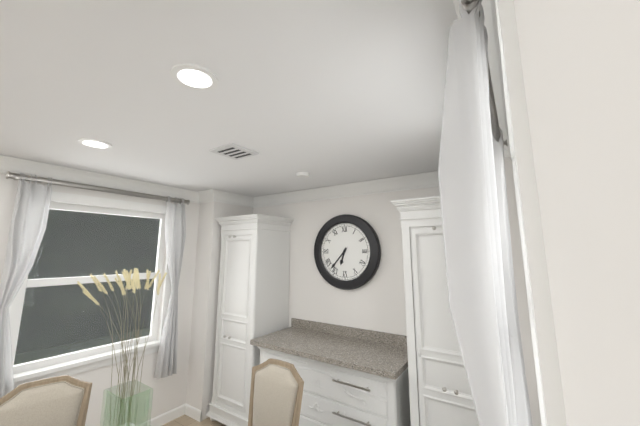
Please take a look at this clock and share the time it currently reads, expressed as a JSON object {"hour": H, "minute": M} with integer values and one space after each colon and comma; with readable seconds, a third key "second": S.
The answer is {"hour": 6, "minute": 37}
